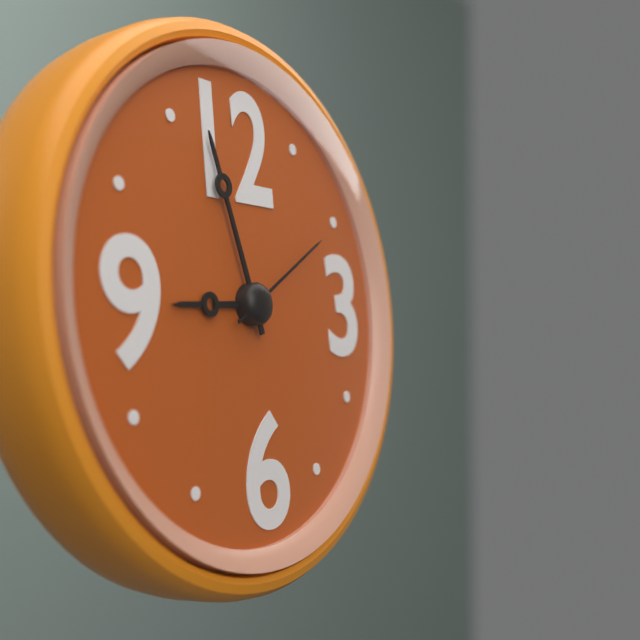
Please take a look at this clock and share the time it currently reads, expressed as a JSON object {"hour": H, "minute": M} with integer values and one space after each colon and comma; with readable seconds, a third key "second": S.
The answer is {"hour": 8, "minute": 57, "second": 10}
